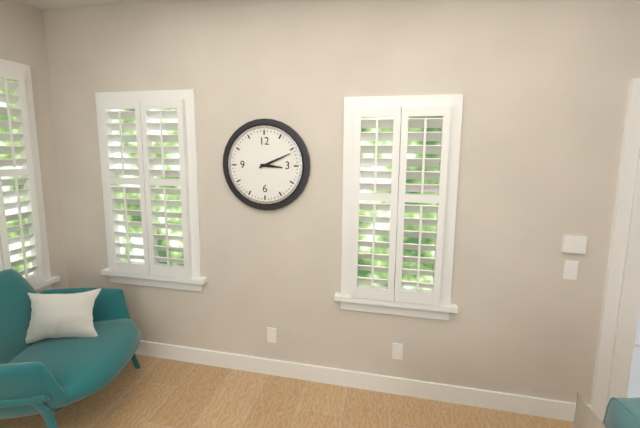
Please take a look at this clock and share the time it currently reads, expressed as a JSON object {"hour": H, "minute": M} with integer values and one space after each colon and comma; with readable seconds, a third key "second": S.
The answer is {"hour": 3, "minute": 11}
